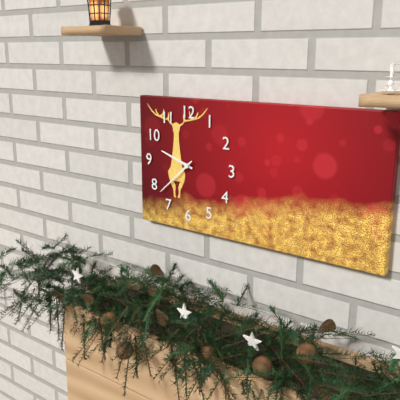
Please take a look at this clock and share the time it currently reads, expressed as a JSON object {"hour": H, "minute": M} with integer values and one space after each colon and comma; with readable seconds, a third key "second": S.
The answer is {"hour": 9, "minute": 38}
